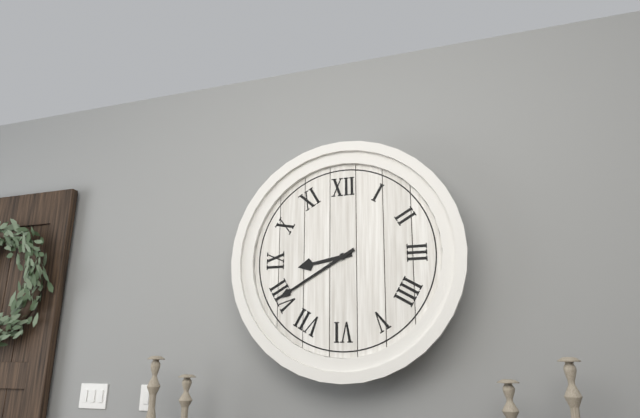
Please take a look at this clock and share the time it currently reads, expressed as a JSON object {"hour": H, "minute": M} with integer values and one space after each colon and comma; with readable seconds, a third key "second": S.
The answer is {"hour": 8, "minute": 40}
